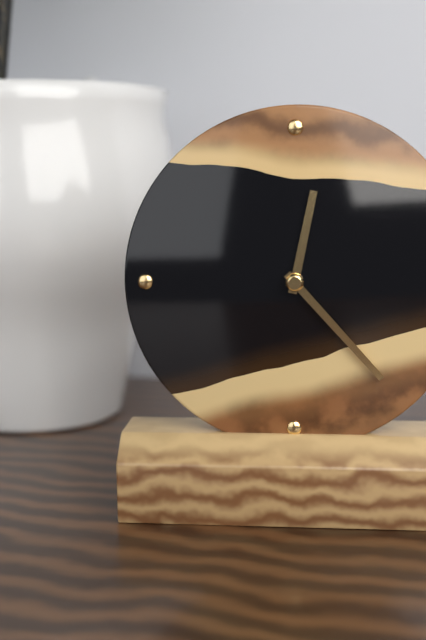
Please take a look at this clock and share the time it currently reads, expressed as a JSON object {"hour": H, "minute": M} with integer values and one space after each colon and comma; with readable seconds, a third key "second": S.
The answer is {"hour": 12, "minute": 23}
